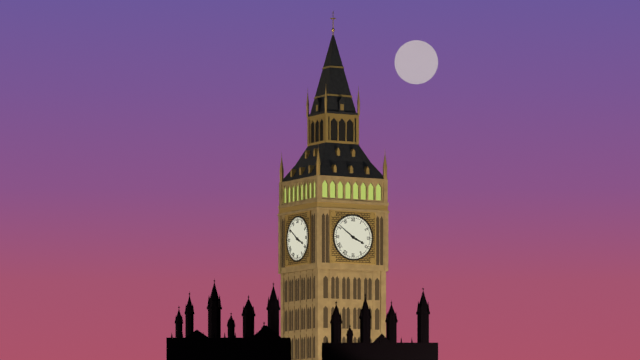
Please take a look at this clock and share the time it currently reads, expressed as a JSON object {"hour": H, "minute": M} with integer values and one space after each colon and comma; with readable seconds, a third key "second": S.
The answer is {"hour": 3, "minute": 51}
